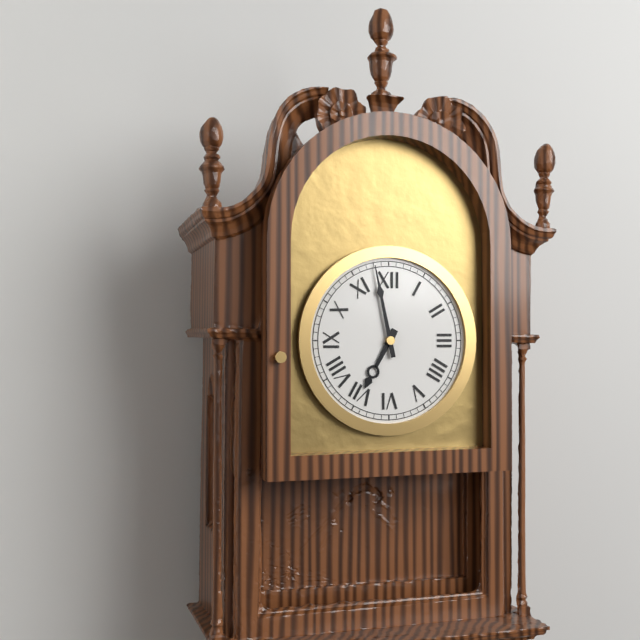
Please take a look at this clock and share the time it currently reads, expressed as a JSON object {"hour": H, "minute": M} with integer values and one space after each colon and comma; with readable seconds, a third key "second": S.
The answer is {"hour": 6, "minute": 58}
